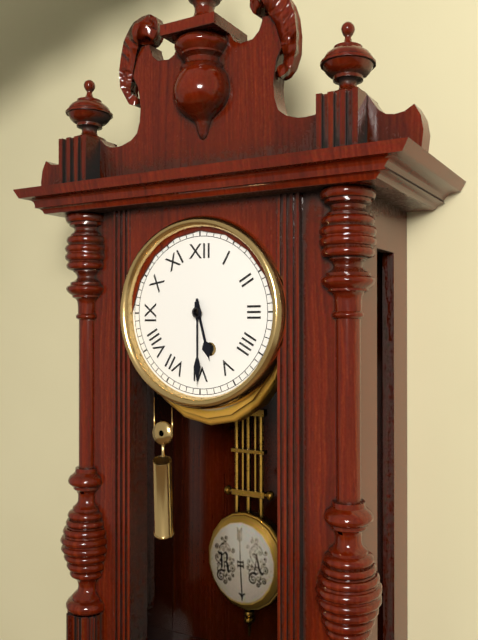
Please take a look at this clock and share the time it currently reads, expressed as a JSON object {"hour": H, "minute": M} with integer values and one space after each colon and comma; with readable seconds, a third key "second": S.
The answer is {"hour": 5, "minute": 30}
